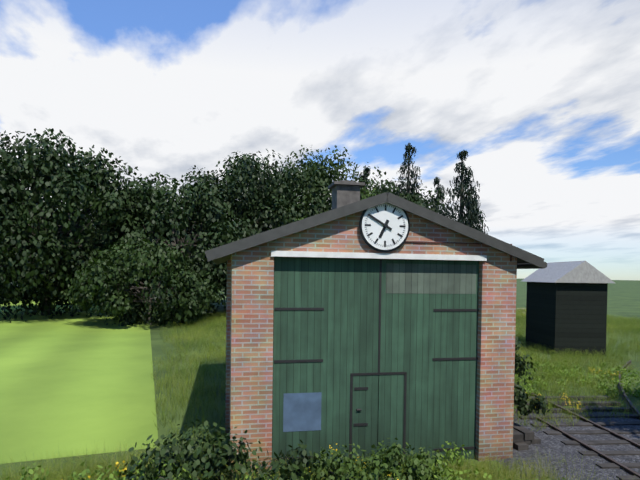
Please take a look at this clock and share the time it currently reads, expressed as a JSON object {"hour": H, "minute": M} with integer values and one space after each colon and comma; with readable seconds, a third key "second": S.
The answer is {"hour": 6, "minute": 50}
